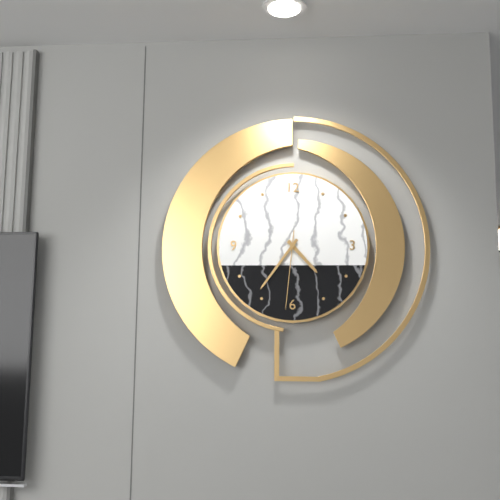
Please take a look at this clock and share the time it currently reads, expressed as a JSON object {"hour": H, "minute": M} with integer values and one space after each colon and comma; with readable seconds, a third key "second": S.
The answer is {"hour": 4, "minute": 36, "second": 31}
